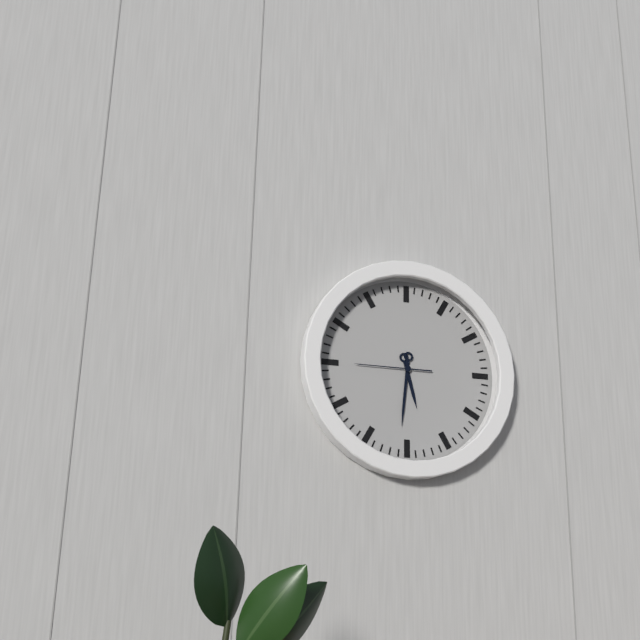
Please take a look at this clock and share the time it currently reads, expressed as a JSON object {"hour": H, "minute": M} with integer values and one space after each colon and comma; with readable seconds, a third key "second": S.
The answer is {"hour": 5, "minute": 31, "second": 45}
